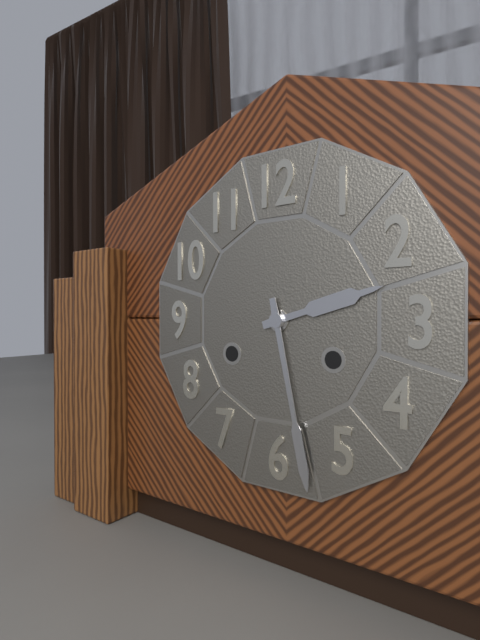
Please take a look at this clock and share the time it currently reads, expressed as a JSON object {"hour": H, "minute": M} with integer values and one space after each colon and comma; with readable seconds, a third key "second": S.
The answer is {"hour": 2, "minute": 28}
